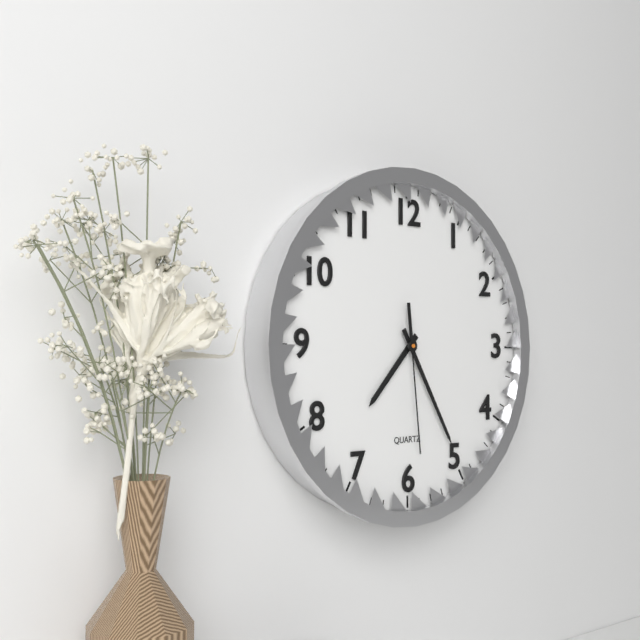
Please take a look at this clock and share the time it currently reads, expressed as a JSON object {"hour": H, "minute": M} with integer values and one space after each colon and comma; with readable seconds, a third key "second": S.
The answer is {"hour": 7, "minute": 25, "second": 29}
